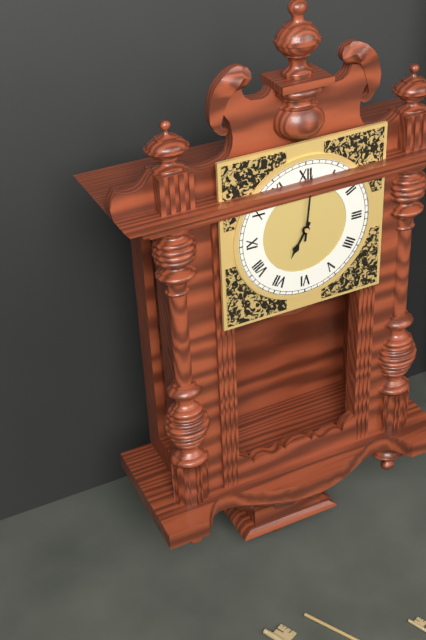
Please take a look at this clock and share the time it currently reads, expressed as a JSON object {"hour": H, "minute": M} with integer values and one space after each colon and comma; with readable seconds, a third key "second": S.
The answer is {"hour": 7, "minute": 1}
